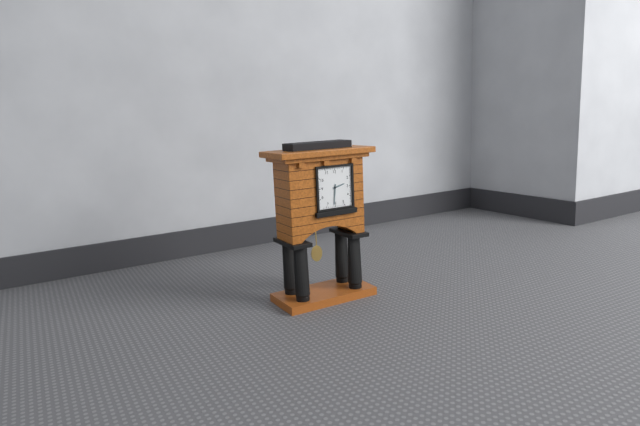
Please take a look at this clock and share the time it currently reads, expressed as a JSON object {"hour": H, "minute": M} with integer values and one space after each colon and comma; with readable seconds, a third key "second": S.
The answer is {"hour": 2, "minute": 31}
